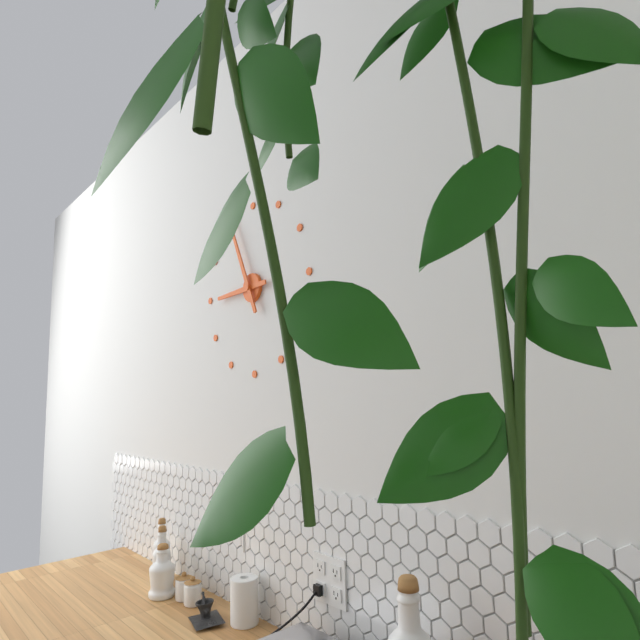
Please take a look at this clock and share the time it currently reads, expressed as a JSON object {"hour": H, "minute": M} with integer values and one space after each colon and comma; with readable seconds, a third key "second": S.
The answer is {"hour": 8, "minute": 56}
